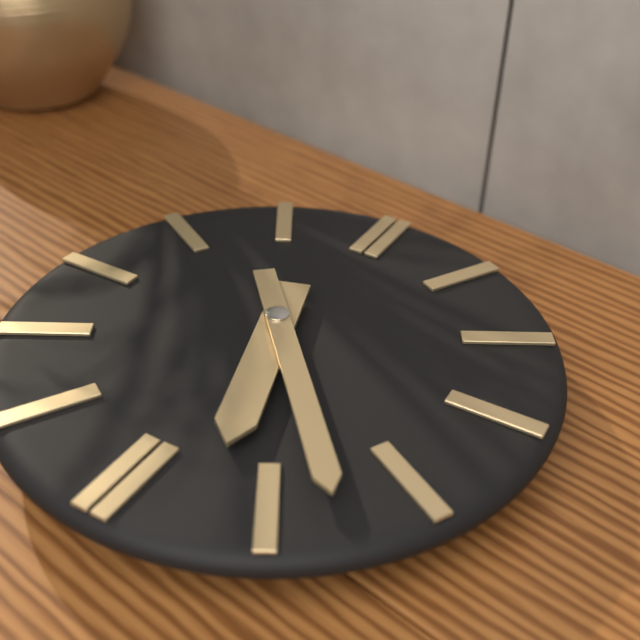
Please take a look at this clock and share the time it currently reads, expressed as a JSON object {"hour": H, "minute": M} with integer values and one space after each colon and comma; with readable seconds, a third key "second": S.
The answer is {"hour": 5, "minute": 23}
